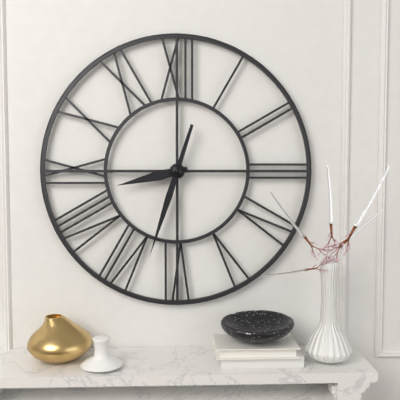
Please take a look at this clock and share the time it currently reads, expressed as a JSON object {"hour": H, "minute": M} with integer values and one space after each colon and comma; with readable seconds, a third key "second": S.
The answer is {"hour": 8, "minute": 33}
